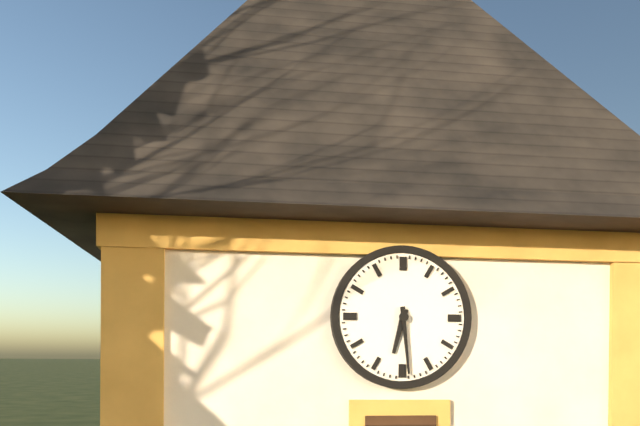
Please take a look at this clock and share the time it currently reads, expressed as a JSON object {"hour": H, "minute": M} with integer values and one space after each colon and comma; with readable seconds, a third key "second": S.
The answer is {"hour": 6, "minute": 29}
